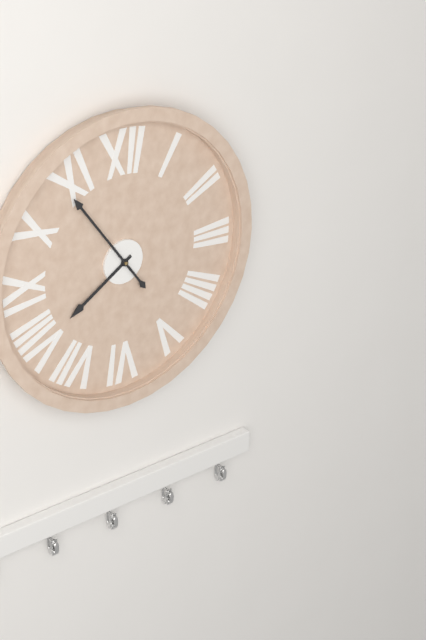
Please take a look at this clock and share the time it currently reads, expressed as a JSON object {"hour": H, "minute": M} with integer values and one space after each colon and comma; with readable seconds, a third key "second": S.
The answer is {"hour": 7, "minute": 54}
